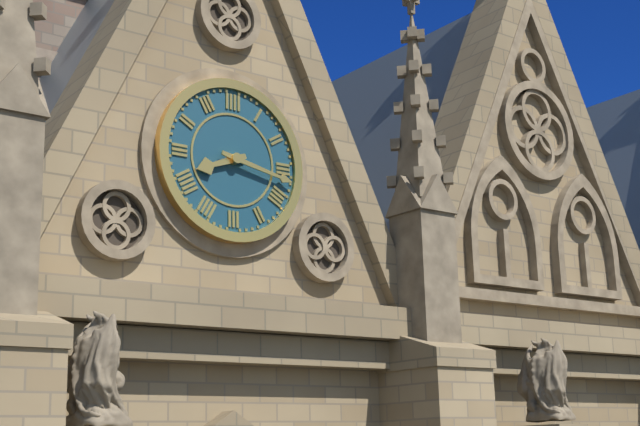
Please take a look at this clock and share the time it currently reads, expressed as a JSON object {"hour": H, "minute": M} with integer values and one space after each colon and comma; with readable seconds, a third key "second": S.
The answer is {"hour": 8, "minute": 17}
